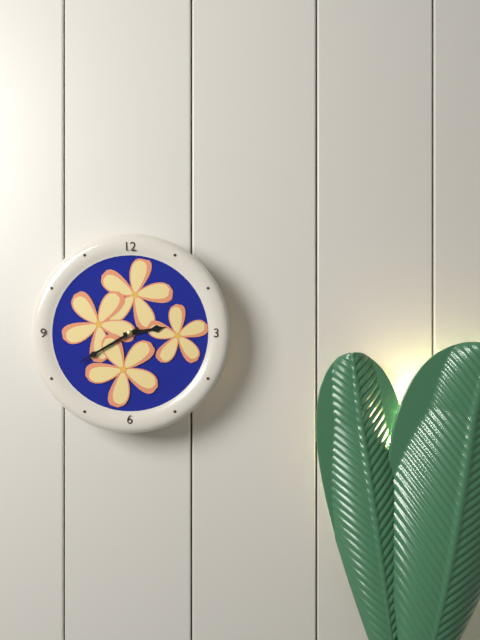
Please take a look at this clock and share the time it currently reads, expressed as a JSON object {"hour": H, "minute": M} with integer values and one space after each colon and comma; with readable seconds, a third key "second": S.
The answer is {"hour": 2, "minute": 40}
